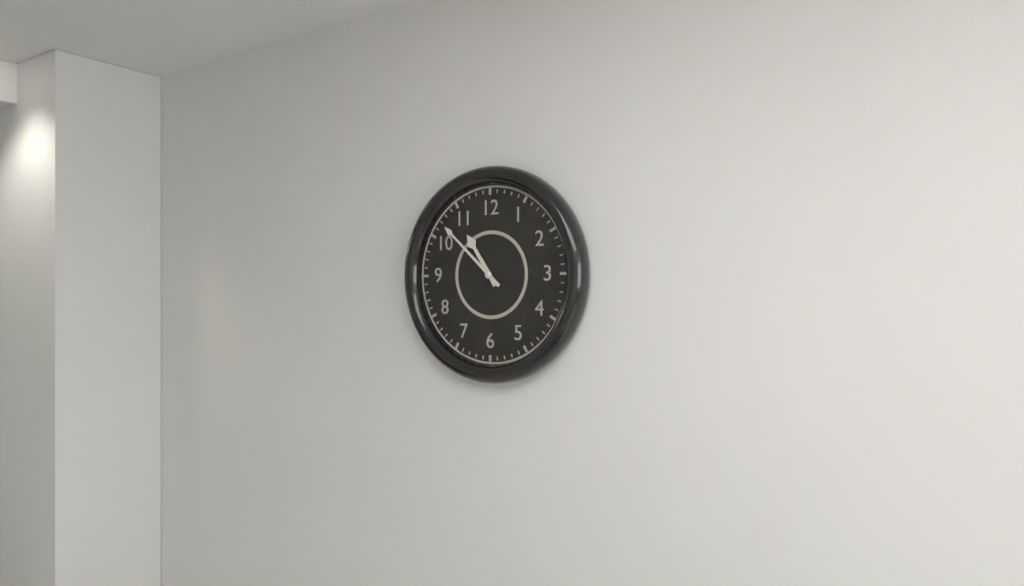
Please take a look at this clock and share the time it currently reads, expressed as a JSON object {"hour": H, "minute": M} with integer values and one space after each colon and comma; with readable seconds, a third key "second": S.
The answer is {"hour": 10, "minute": 52}
